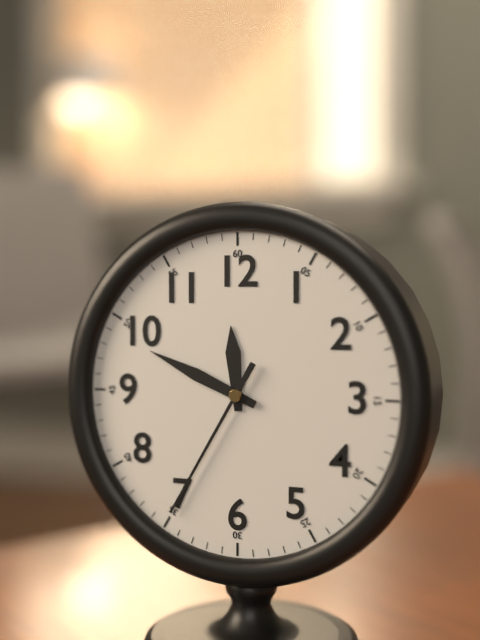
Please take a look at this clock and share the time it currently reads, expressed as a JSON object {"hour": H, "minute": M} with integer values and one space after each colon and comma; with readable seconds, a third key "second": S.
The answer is {"hour": 11, "minute": 49, "second": 35}
